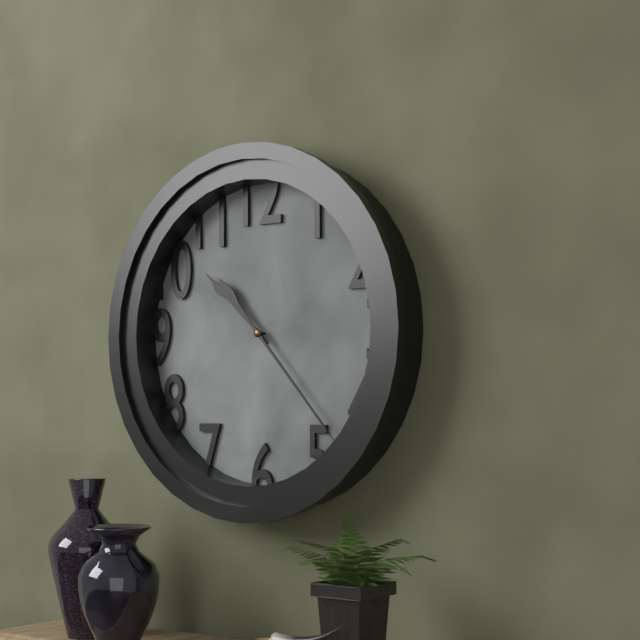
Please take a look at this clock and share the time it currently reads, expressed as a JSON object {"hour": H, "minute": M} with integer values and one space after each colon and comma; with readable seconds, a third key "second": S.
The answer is {"hour": 10, "minute": 23}
